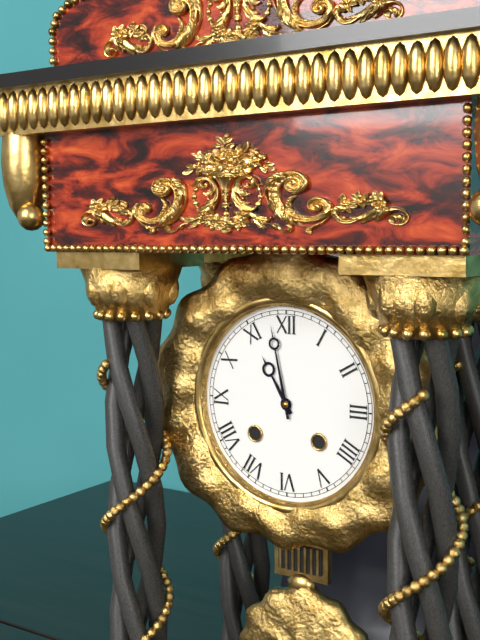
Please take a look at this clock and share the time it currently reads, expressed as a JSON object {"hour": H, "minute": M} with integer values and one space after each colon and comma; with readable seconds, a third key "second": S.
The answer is {"hour": 10, "minute": 58}
